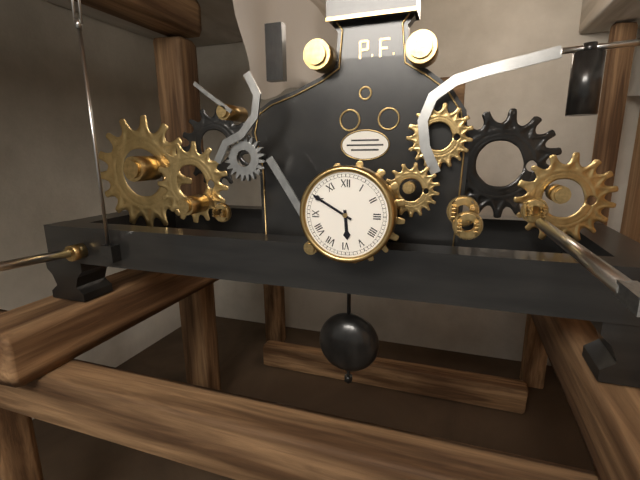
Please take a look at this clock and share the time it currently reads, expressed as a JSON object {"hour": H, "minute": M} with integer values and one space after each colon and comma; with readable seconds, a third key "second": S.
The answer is {"hour": 5, "minute": 50}
